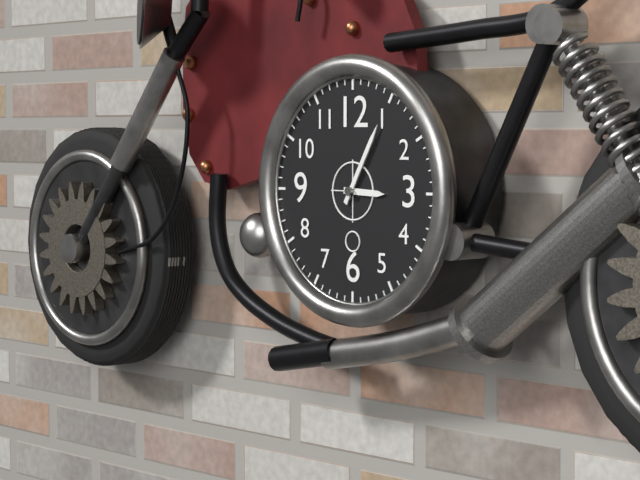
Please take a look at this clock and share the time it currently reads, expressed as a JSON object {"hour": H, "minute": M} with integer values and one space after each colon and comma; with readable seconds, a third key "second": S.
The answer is {"hour": 3, "minute": 5}
